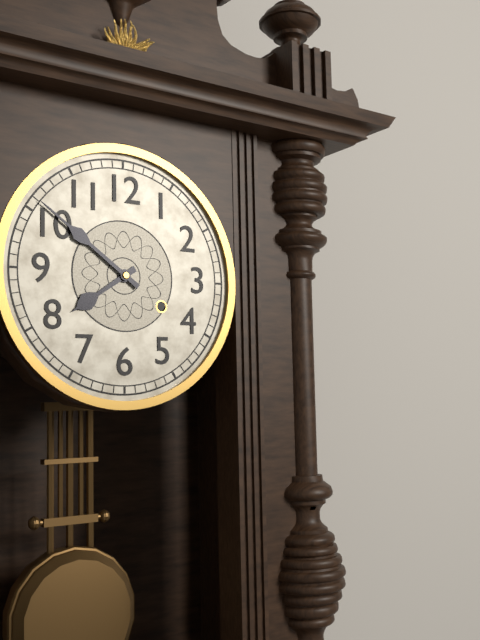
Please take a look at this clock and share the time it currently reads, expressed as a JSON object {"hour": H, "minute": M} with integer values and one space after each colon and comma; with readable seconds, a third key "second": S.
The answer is {"hour": 7, "minute": 51}
